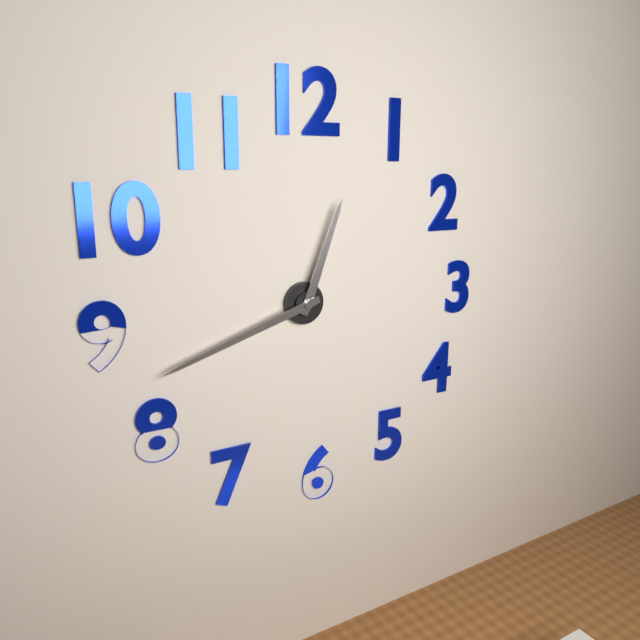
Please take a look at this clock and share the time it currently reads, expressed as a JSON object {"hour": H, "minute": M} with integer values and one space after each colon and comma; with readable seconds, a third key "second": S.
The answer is {"hour": 12, "minute": 42}
